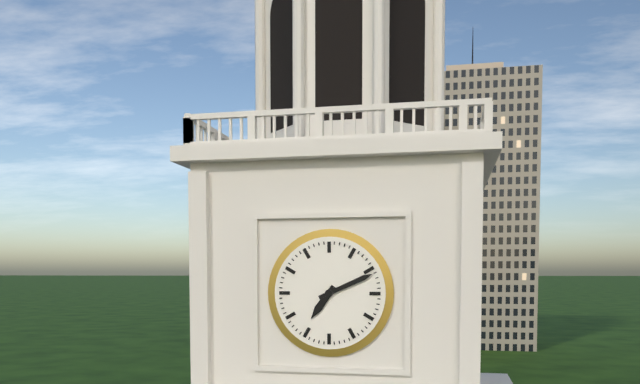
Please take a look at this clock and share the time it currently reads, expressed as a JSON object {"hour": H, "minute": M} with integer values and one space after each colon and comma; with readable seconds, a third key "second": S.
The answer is {"hour": 7, "minute": 11}
